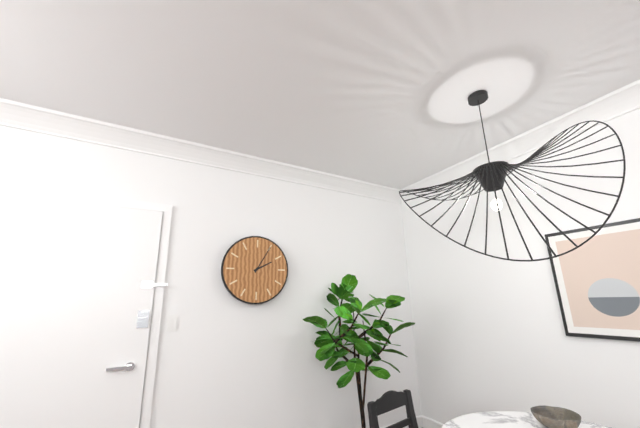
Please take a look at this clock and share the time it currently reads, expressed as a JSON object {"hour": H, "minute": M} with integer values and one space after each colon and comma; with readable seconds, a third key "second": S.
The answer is {"hour": 2, "minute": 5}
